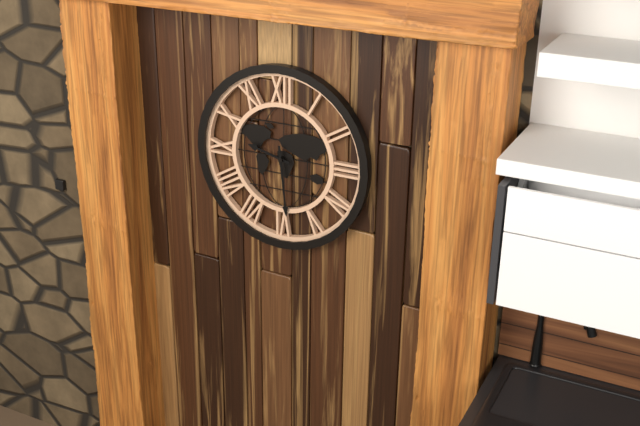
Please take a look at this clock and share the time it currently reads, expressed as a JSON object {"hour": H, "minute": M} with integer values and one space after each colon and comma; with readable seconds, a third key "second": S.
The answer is {"hour": 9, "minute": 29}
